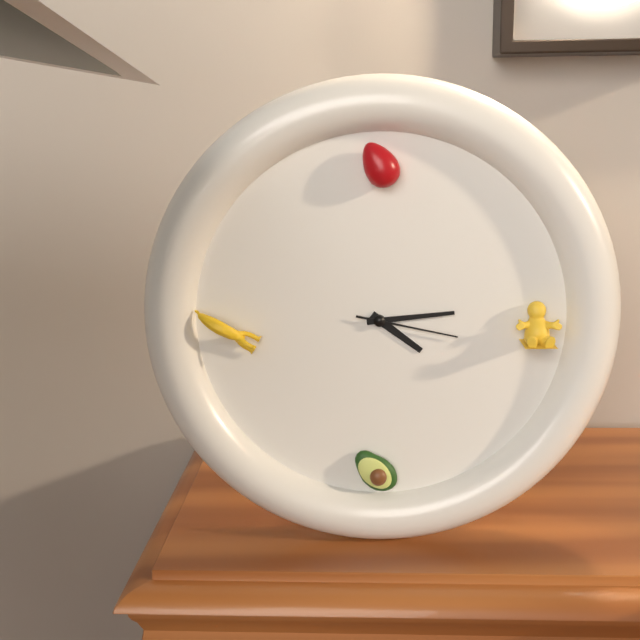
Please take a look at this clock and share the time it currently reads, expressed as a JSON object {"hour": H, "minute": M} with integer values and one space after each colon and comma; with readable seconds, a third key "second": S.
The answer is {"hour": 4, "minute": 14, "second": 17}
